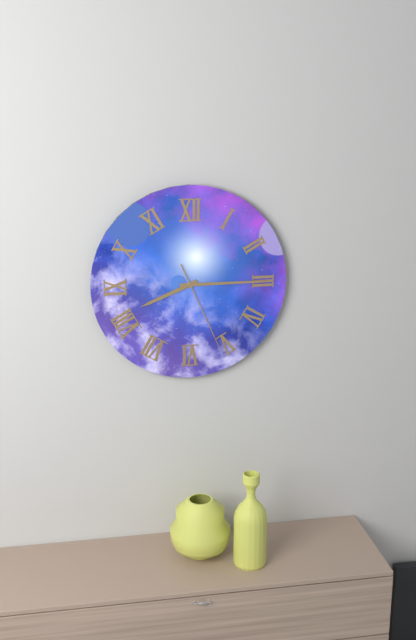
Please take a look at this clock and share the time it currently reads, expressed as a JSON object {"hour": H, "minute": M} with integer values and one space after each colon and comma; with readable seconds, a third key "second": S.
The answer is {"hour": 8, "minute": 15, "second": 26}
